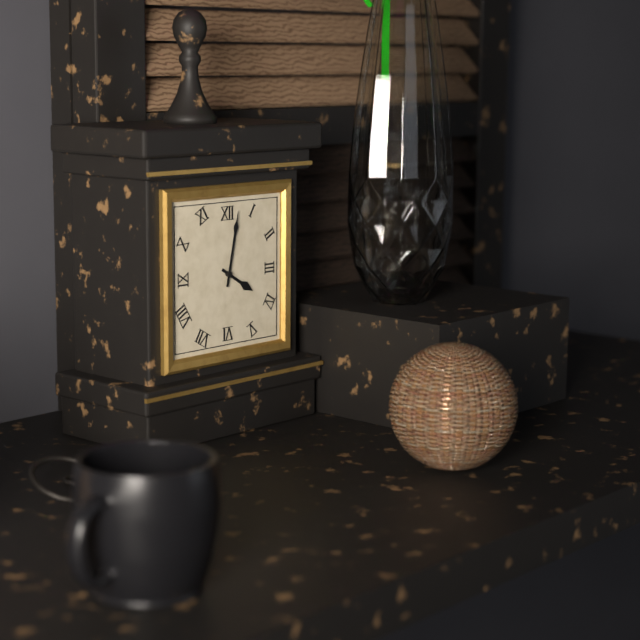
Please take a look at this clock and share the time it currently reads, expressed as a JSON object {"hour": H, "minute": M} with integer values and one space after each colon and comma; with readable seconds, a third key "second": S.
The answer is {"hour": 4, "minute": 2}
